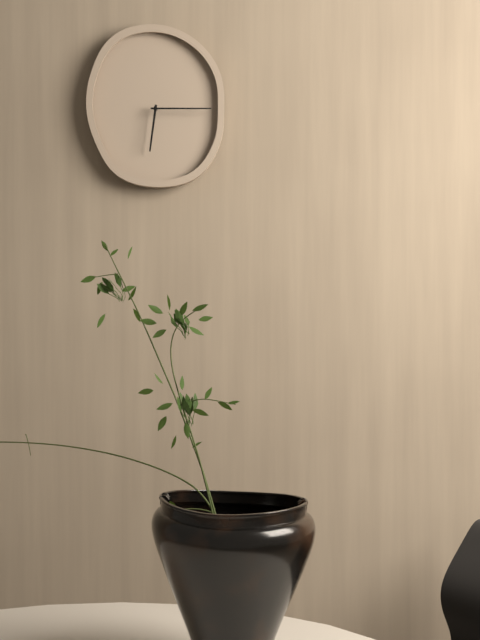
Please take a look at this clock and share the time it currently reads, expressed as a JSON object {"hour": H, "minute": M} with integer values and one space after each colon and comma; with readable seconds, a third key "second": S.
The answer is {"hour": 6, "minute": 15}
